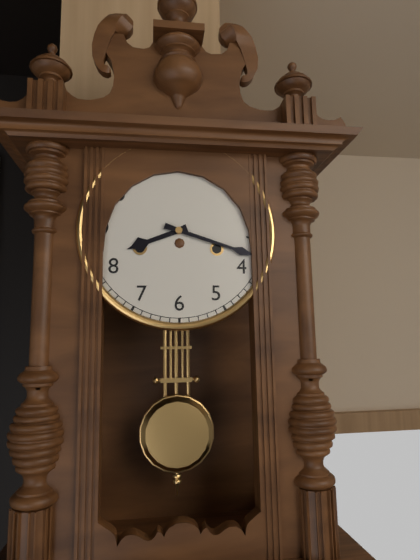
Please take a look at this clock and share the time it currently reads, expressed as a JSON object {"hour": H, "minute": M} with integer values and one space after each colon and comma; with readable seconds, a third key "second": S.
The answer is {"hour": 8, "minute": 18}
